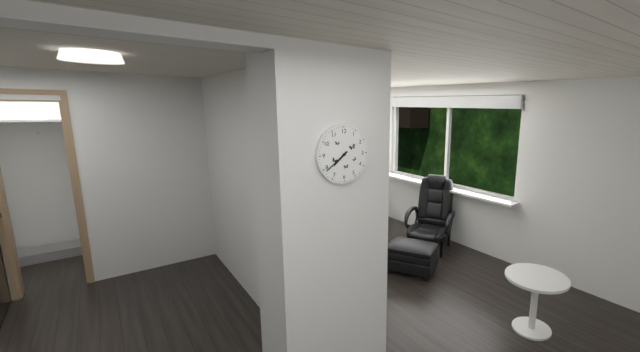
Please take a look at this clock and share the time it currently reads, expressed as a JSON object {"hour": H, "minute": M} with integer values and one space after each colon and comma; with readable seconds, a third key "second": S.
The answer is {"hour": 7, "minute": 39}
